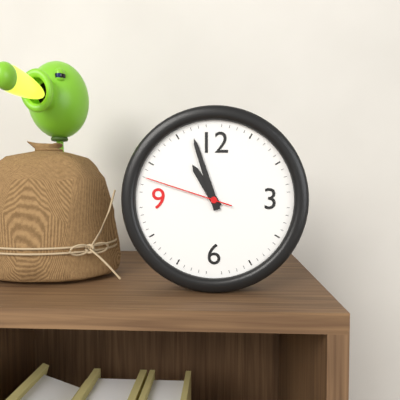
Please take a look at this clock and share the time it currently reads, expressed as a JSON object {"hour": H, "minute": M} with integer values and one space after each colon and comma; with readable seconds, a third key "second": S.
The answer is {"hour": 10, "minute": 57, "second": 48}
